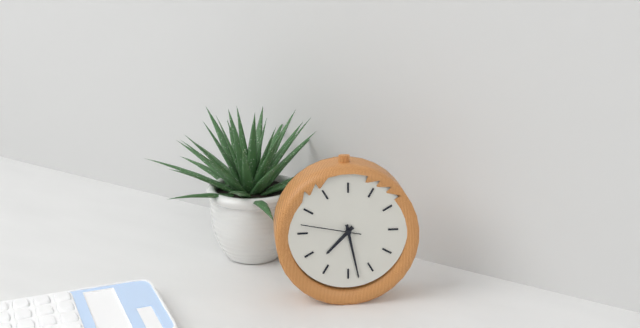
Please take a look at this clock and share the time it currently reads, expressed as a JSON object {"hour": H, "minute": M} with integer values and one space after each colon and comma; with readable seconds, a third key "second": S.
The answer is {"hour": 7, "minute": 28, "second": 47}
